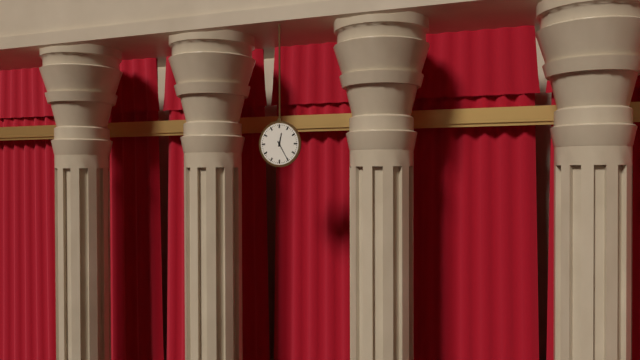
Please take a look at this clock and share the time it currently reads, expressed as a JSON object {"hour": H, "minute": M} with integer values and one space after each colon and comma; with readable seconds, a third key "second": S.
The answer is {"hour": 12, "minute": 25}
